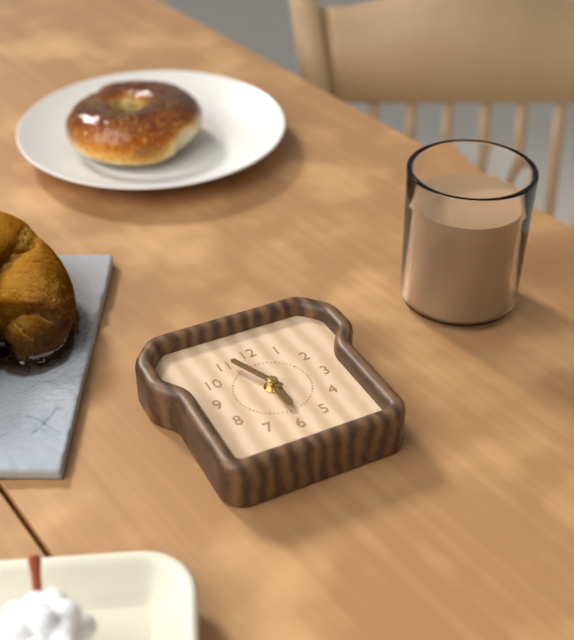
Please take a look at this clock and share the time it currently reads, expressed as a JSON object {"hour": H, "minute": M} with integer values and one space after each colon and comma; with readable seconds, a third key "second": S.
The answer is {"hour": 5, "minute": 56}
